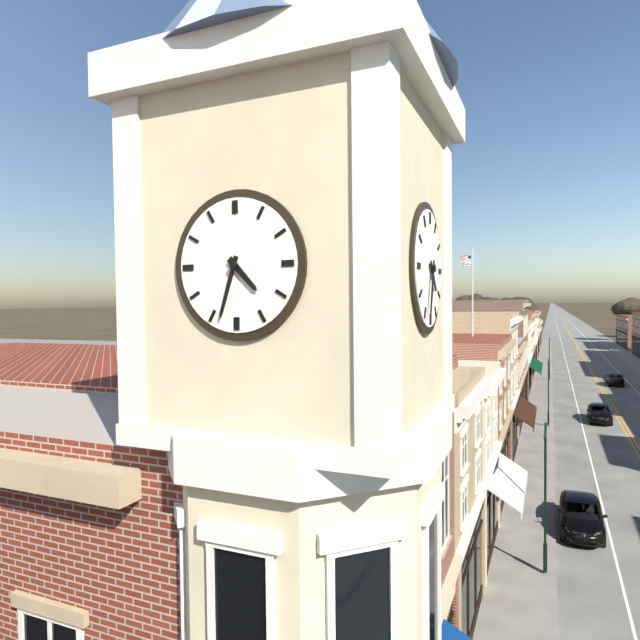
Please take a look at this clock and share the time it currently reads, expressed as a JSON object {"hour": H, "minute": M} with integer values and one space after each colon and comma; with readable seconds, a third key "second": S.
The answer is {"hour": 4, "minute": 33}
